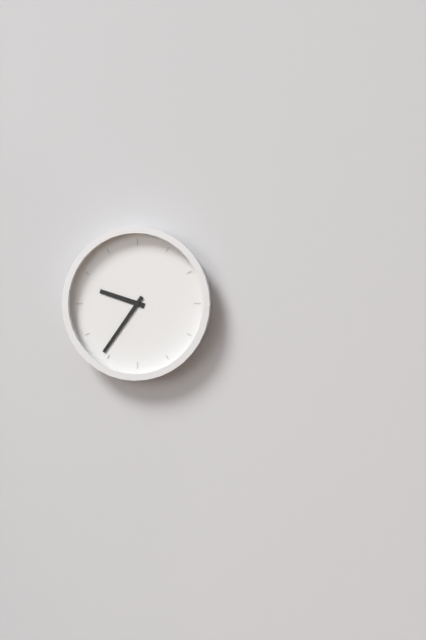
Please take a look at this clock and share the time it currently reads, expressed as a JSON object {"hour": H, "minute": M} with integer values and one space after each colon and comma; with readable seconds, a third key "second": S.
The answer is {"hour": 9, "minute": 36}
